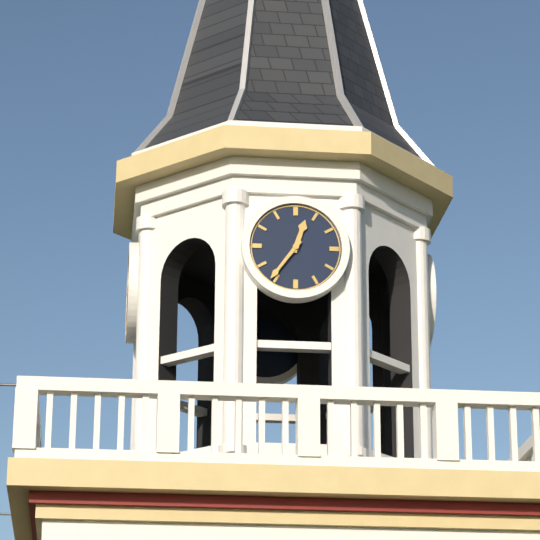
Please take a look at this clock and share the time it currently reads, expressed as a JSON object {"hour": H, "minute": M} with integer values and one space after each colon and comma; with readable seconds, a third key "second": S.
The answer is {"hour": 12, "minute": 36}
